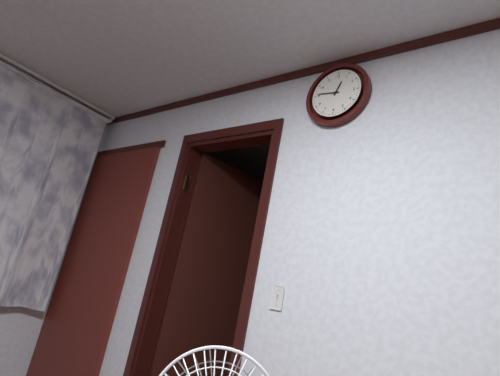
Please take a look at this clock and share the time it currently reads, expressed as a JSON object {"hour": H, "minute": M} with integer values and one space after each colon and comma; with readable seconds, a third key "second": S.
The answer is {"hour": 12, "minute": 46}
